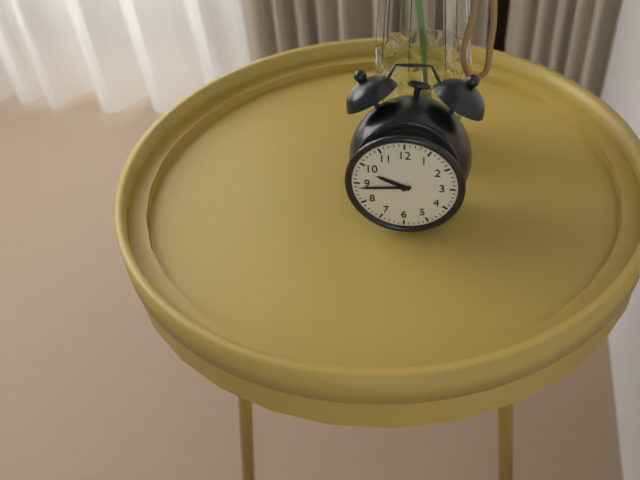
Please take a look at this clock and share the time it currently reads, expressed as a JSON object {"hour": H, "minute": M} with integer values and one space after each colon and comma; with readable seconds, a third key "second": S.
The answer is {"hour": 9, "minute": 44}
